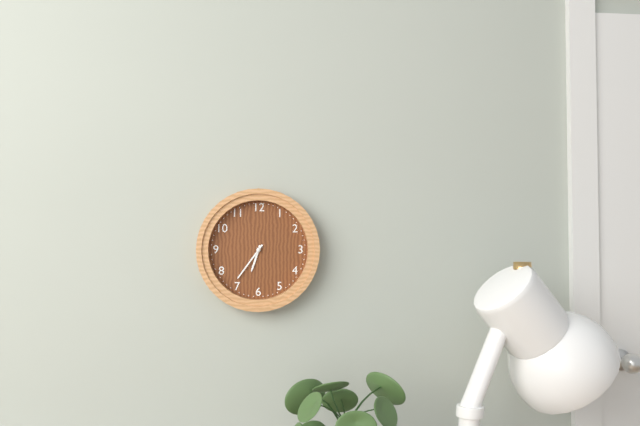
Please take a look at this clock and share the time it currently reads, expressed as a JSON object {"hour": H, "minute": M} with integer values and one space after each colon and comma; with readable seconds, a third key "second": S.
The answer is {"hour": 6, "minute": 36}
